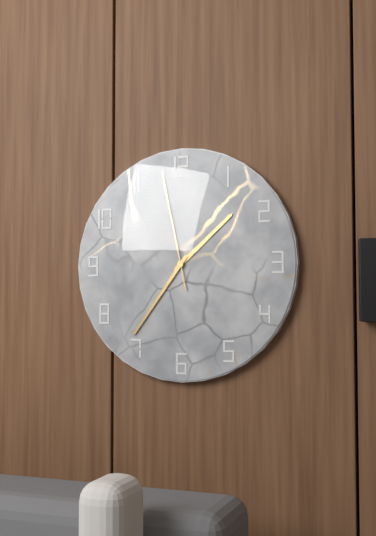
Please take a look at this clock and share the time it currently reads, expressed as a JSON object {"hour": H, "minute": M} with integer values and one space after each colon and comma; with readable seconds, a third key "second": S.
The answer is {"hour": 1, "minute": 36, "second": 58}
